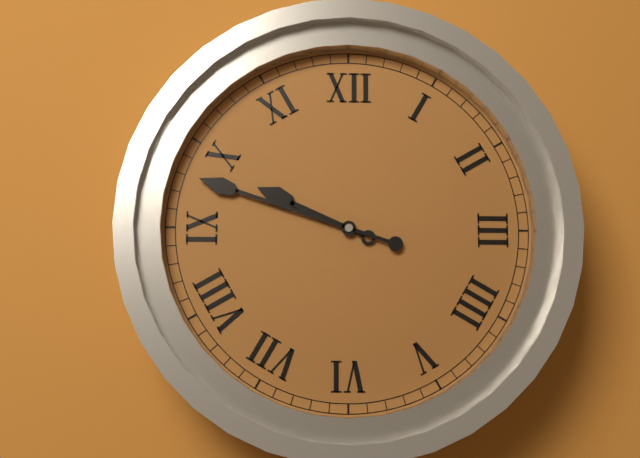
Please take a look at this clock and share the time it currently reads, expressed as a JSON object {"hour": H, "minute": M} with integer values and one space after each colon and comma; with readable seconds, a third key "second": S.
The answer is {"hour": 9, "minute": 48}
